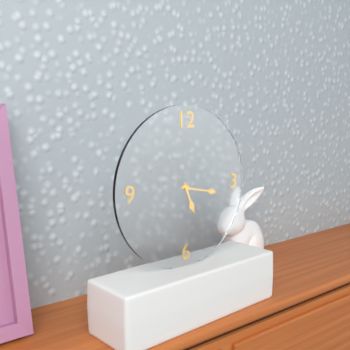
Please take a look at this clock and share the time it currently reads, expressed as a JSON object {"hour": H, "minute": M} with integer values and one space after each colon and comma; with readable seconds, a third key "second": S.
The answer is {"hour": 5, "minute": 17}
